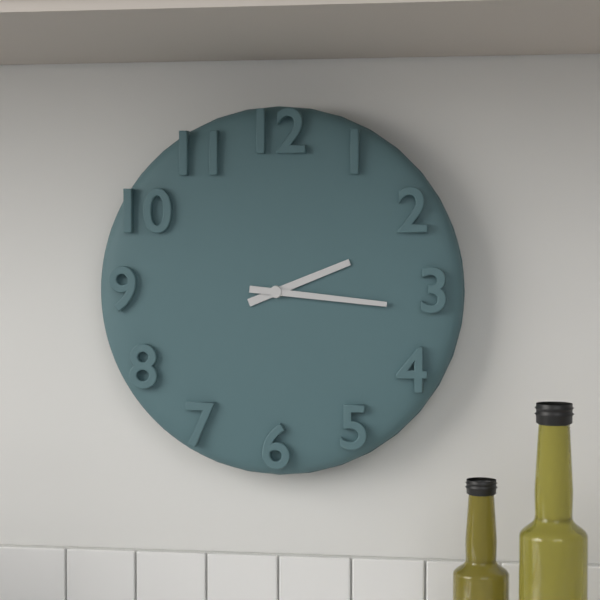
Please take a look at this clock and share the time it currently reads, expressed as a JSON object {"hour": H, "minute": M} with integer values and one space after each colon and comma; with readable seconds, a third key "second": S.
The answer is {"hour": 2, "minute": 16}
